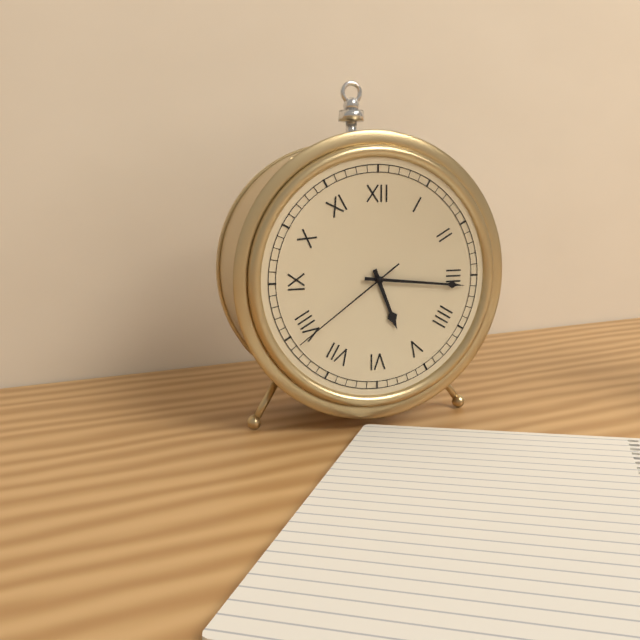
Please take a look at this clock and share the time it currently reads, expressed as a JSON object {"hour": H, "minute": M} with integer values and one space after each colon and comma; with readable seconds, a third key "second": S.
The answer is {"hour": 5, "minute": 16, "second": 39}
